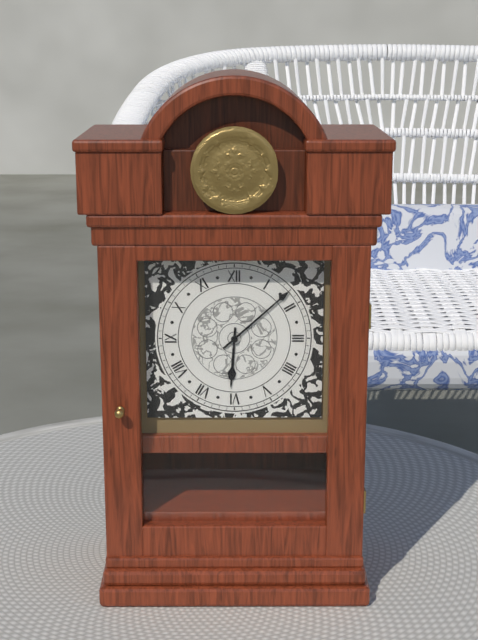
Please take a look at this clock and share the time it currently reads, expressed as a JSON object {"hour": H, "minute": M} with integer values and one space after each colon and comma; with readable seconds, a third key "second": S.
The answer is {"hour": 6, "minute": 8}
